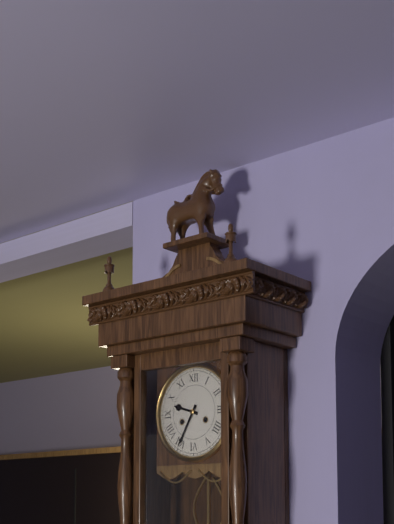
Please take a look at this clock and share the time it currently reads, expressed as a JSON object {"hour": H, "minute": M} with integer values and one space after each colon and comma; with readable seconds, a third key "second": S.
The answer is {"hour": 9, "minute": 35}
